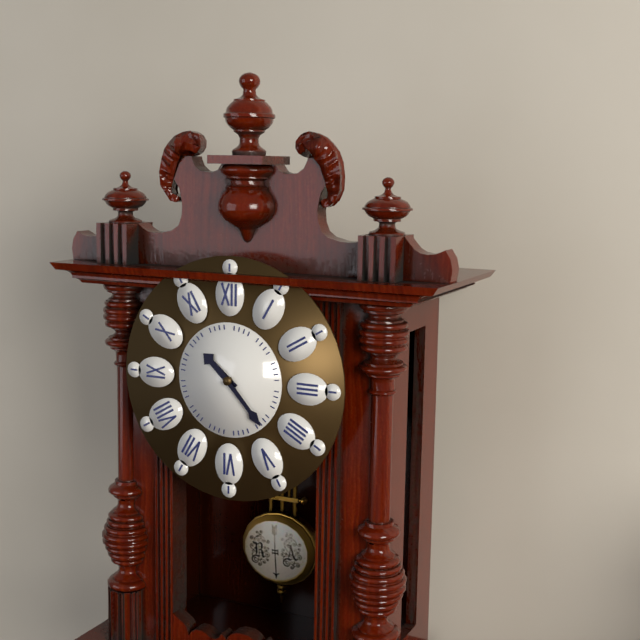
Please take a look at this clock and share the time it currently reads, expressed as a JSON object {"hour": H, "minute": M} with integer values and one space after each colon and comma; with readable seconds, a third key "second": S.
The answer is {"hour": 10, "minute": 23}
